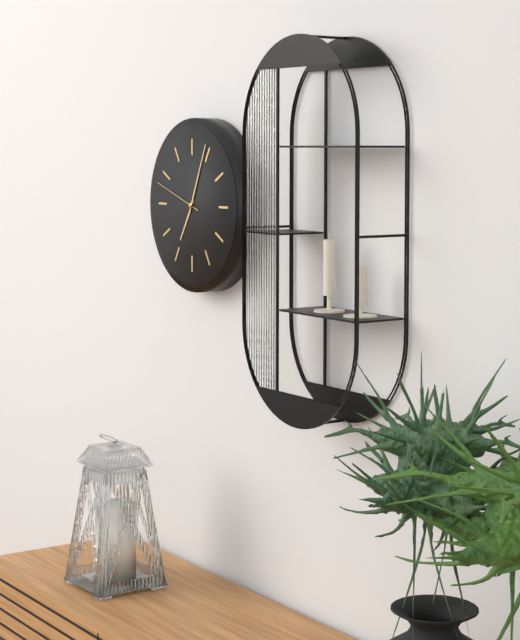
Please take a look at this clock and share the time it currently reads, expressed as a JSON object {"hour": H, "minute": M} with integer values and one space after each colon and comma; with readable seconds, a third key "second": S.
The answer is {"hour": 7, "minute": 4, "second": 48}
